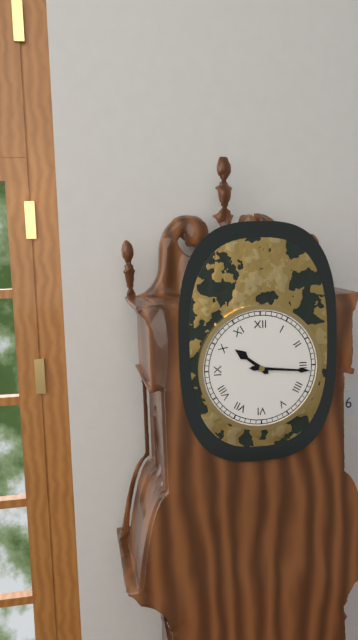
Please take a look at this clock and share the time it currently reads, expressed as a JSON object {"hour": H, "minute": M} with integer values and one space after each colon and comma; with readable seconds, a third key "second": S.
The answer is {"hour": 10, "minute": 16}
